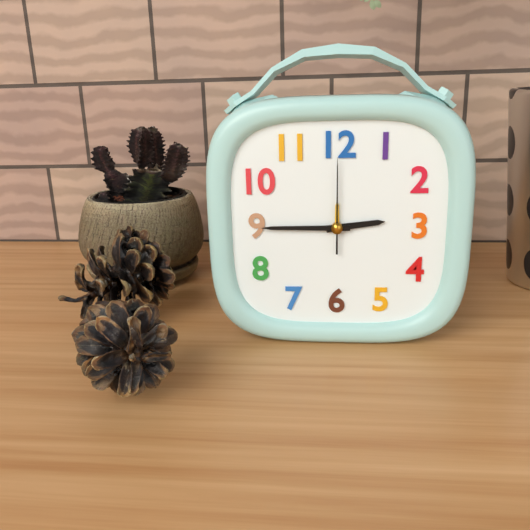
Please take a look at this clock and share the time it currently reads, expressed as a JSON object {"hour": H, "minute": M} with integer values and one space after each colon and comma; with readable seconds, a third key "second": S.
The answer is {"hour": 2, "minute": 45, "second": 0}
